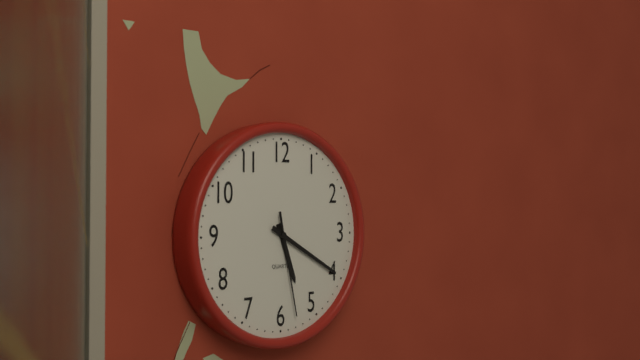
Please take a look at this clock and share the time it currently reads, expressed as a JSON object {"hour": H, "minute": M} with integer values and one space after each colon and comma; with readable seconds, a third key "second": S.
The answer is {"hour": 5, "minute": 20, "second": 28}
